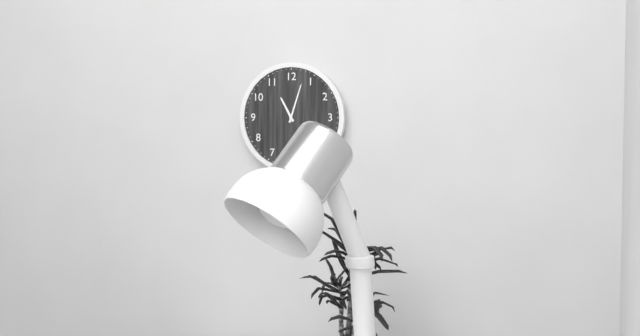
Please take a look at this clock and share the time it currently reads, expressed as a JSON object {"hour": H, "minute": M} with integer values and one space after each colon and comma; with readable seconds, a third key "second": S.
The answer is {"hour": 11, "minute": 3}
